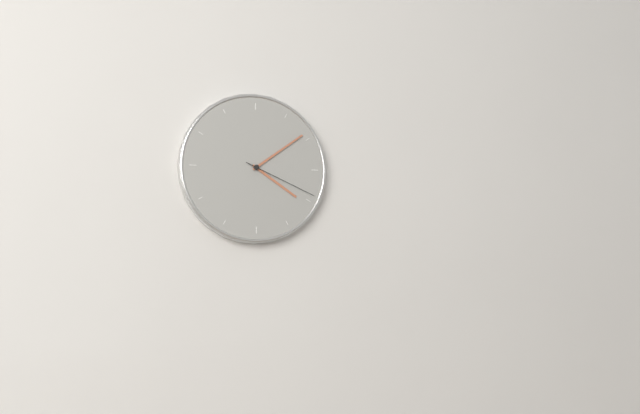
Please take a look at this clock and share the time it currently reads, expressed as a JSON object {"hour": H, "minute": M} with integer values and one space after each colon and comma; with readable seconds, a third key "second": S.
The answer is {"hour": 4, "minute": 9, "second": 19}
